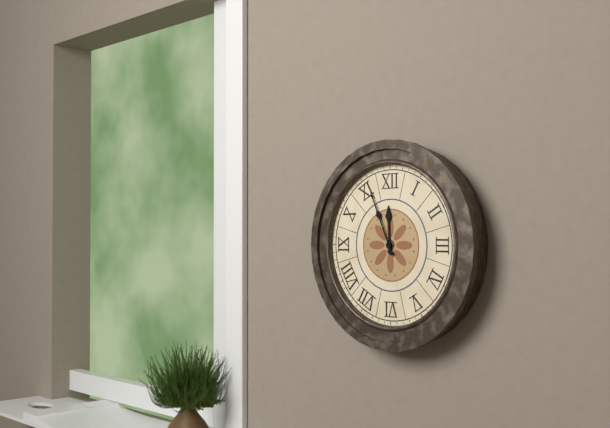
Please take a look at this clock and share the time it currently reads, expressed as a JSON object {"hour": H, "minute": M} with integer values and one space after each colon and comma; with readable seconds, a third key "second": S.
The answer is {"hour": 11, "minute": 56}
